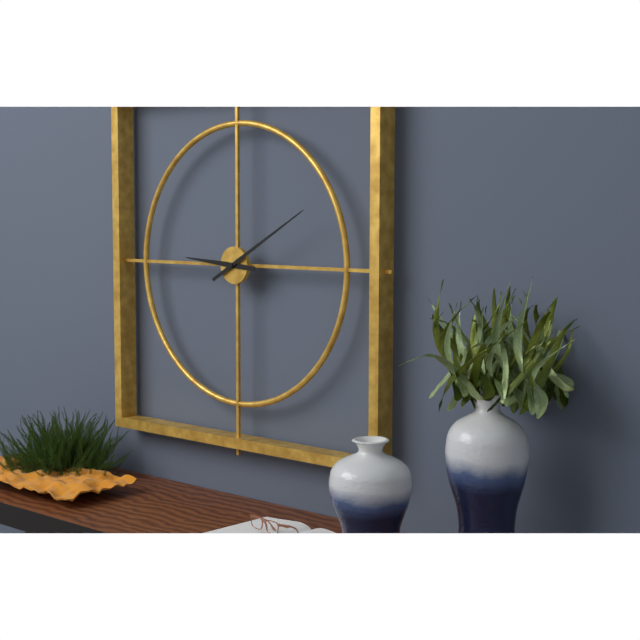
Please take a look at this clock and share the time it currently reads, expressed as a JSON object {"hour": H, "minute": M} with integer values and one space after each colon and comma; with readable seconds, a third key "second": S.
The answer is {"hour": 9, "minute": 10}
